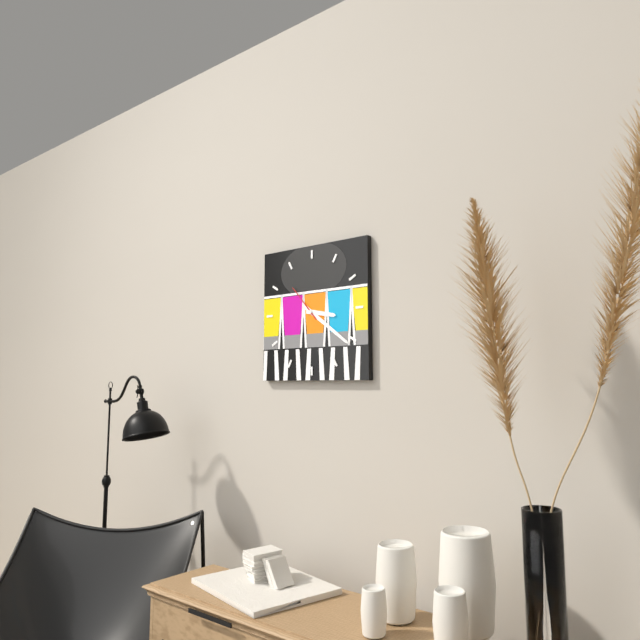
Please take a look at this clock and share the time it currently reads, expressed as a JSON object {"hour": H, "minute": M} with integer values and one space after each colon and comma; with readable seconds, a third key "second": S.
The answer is {"hour": 3, "minute": 21}
